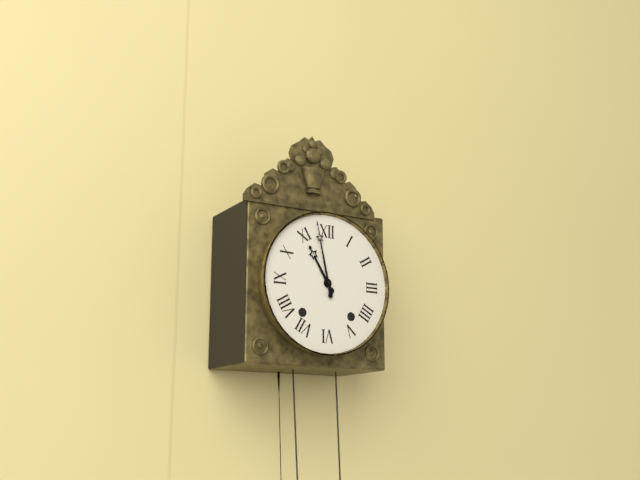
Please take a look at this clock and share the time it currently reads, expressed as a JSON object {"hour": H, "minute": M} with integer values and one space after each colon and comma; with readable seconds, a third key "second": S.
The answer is {"hour": 10, "minute": 58}
